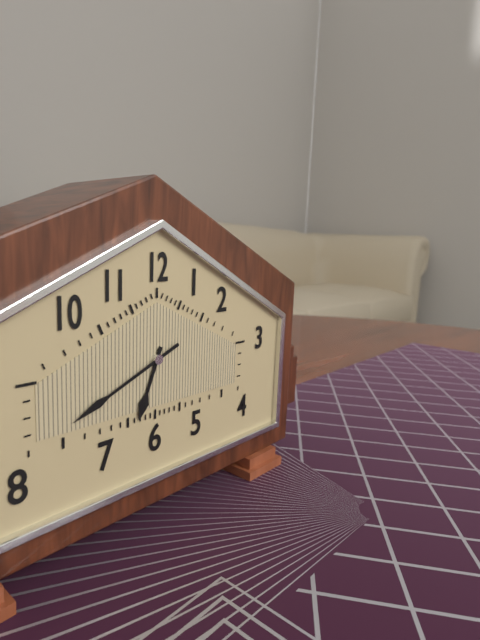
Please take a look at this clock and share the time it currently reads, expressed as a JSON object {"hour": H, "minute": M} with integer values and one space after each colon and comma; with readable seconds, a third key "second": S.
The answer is {"hour": 6, "minute": 41}
